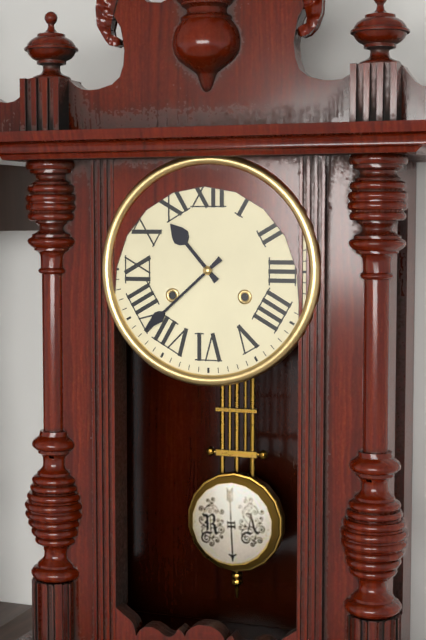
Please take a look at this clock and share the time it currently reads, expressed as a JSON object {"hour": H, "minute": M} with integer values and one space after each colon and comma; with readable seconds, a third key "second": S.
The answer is {"hour": 10, "minute": 38}
